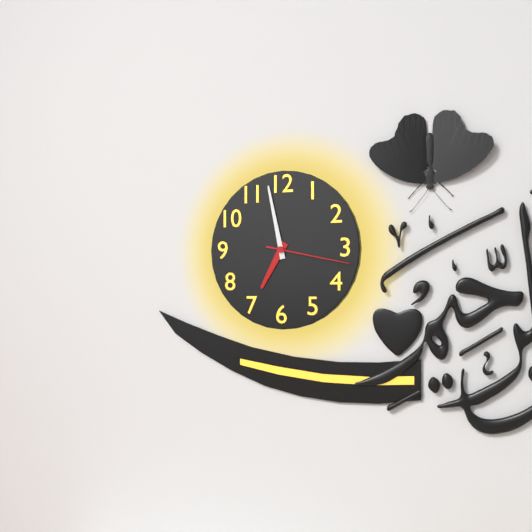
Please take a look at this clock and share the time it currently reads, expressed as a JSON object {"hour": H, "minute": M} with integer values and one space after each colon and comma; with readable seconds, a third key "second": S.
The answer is {"hour": 6, "minute": 58, "second": 17}
